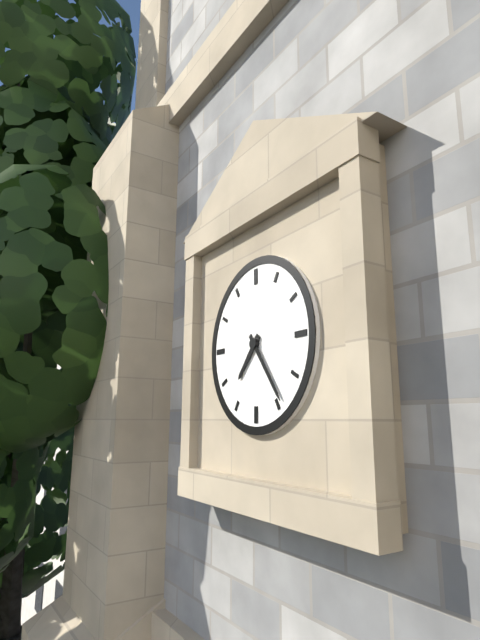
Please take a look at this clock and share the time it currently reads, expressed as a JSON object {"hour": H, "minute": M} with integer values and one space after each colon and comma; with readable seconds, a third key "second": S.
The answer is {"hour": 7, "minute": 24}
